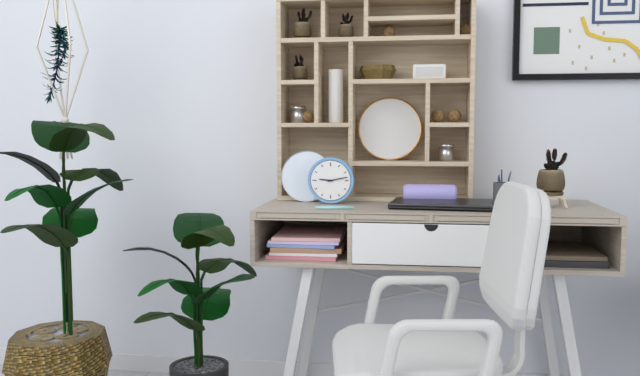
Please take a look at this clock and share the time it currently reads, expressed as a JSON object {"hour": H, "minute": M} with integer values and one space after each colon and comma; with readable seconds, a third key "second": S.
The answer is {"hour": 9, "minute": 13}
